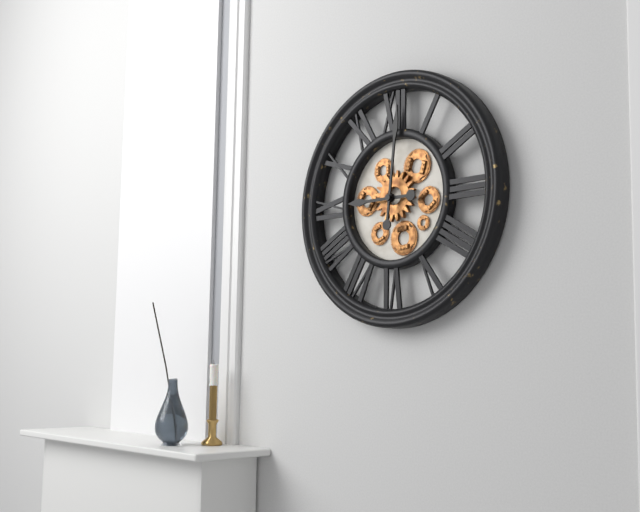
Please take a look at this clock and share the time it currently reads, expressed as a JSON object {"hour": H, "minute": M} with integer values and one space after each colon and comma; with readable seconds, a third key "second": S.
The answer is {"hour": 9, "minute": 1}
